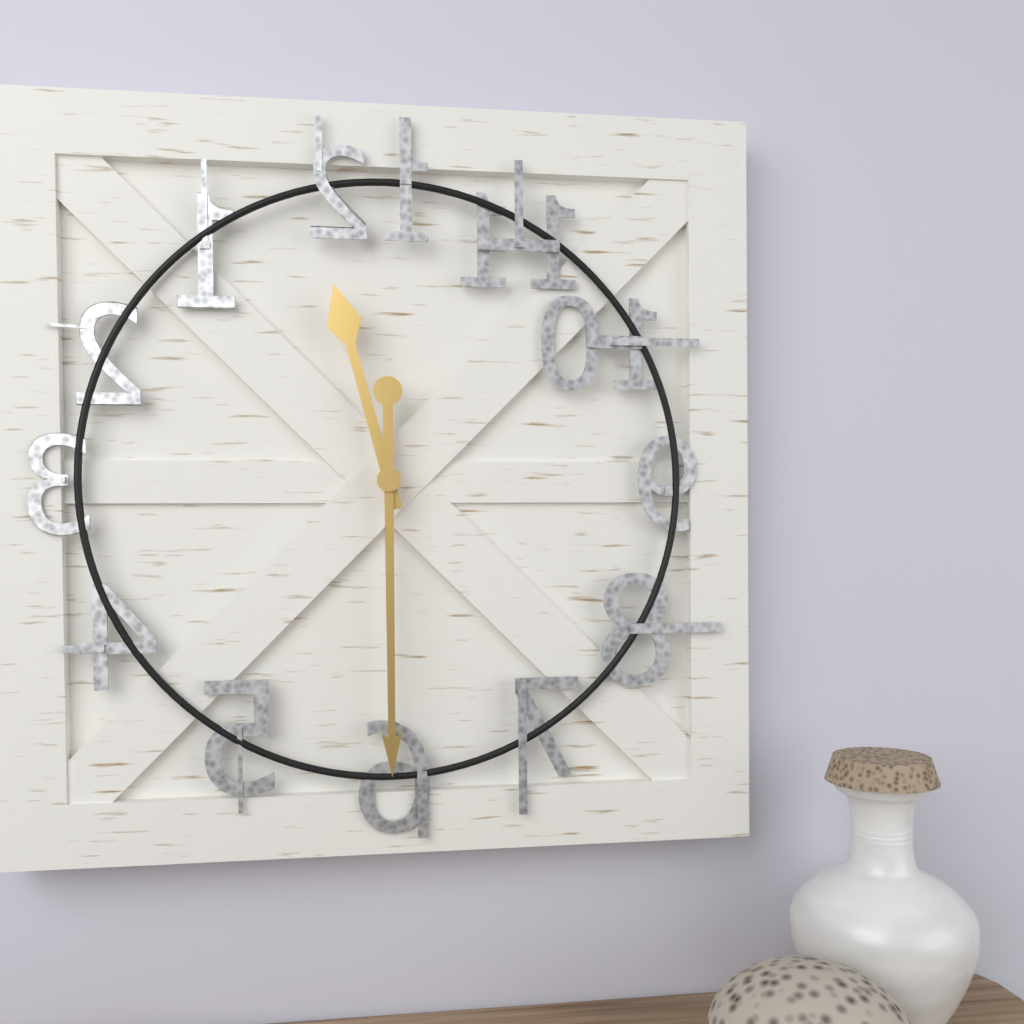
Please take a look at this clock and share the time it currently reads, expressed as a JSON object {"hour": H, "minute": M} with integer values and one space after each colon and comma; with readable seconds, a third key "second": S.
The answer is {"hour": 11, "minute": 30}
